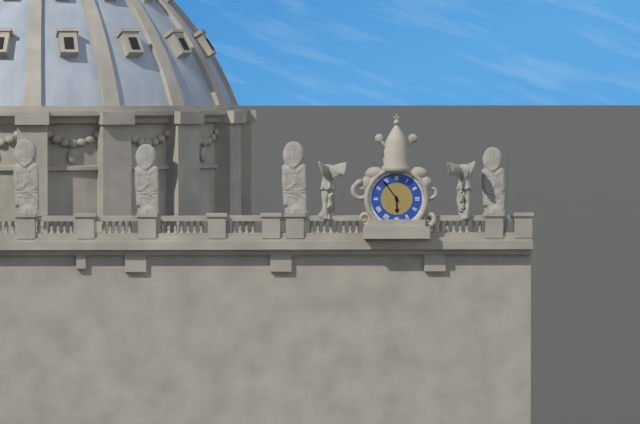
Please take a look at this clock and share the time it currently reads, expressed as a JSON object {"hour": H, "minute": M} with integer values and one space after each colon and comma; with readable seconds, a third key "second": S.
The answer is {"hour": 5, "minute": 54}
